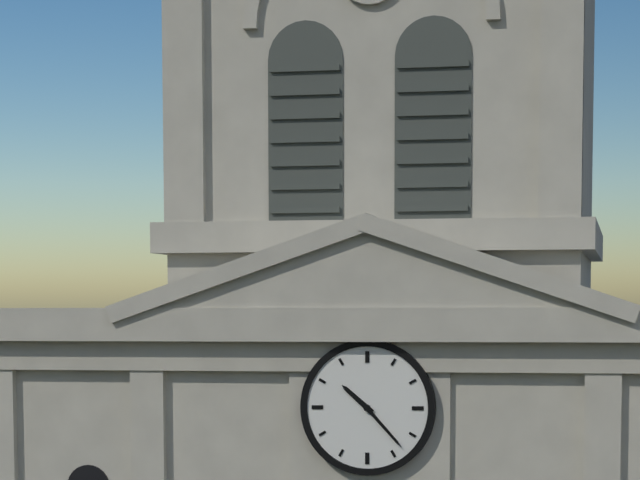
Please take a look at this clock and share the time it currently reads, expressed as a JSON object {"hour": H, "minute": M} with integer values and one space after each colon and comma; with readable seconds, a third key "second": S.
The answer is {"hour": 10, "minute": 23}
